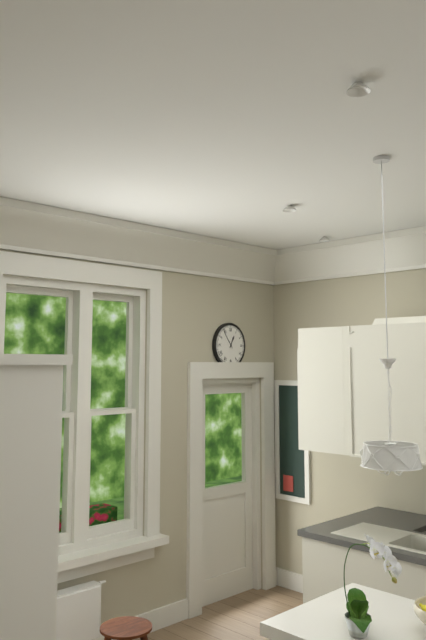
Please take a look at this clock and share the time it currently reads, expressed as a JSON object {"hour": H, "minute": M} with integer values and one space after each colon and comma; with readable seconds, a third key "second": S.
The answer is {"hour": 12, "minute": 54}
